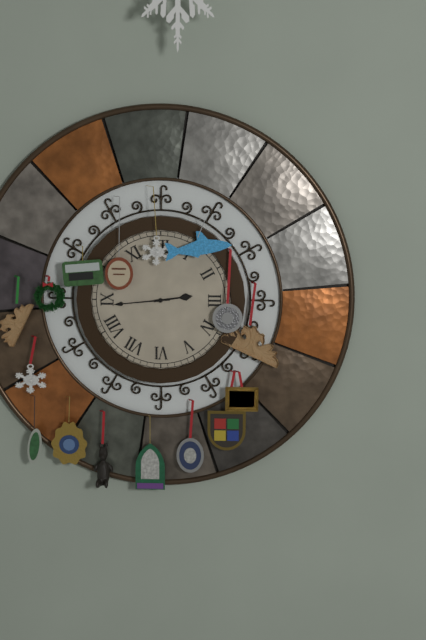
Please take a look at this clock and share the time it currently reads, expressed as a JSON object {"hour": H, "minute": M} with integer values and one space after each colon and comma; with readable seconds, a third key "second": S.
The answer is {"hour": 2, "minute": 44}
